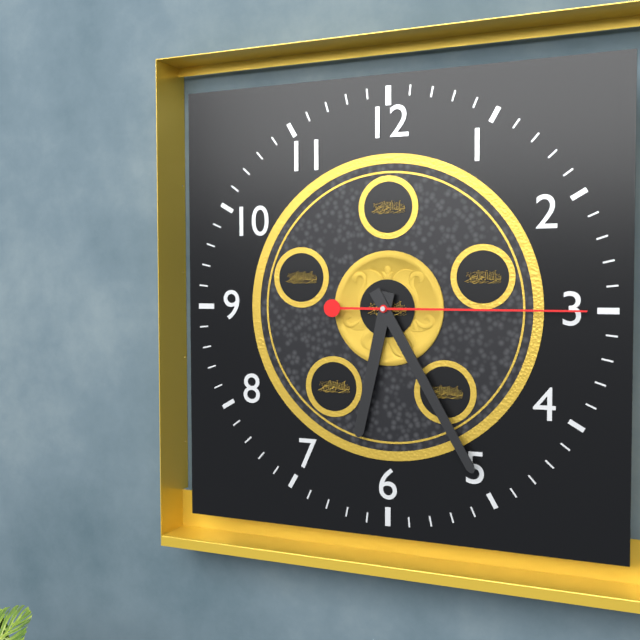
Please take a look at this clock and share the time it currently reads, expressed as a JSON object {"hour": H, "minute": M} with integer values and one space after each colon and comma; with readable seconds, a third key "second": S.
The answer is {"hour": 6, "minute": 25, "second": 15}
